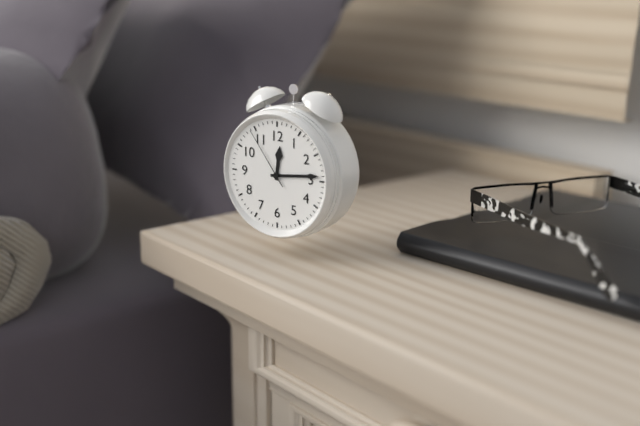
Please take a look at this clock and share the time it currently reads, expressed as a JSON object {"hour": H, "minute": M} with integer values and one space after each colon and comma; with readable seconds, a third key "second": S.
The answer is {"hour": 12, "minute": 14, "second": 54}
